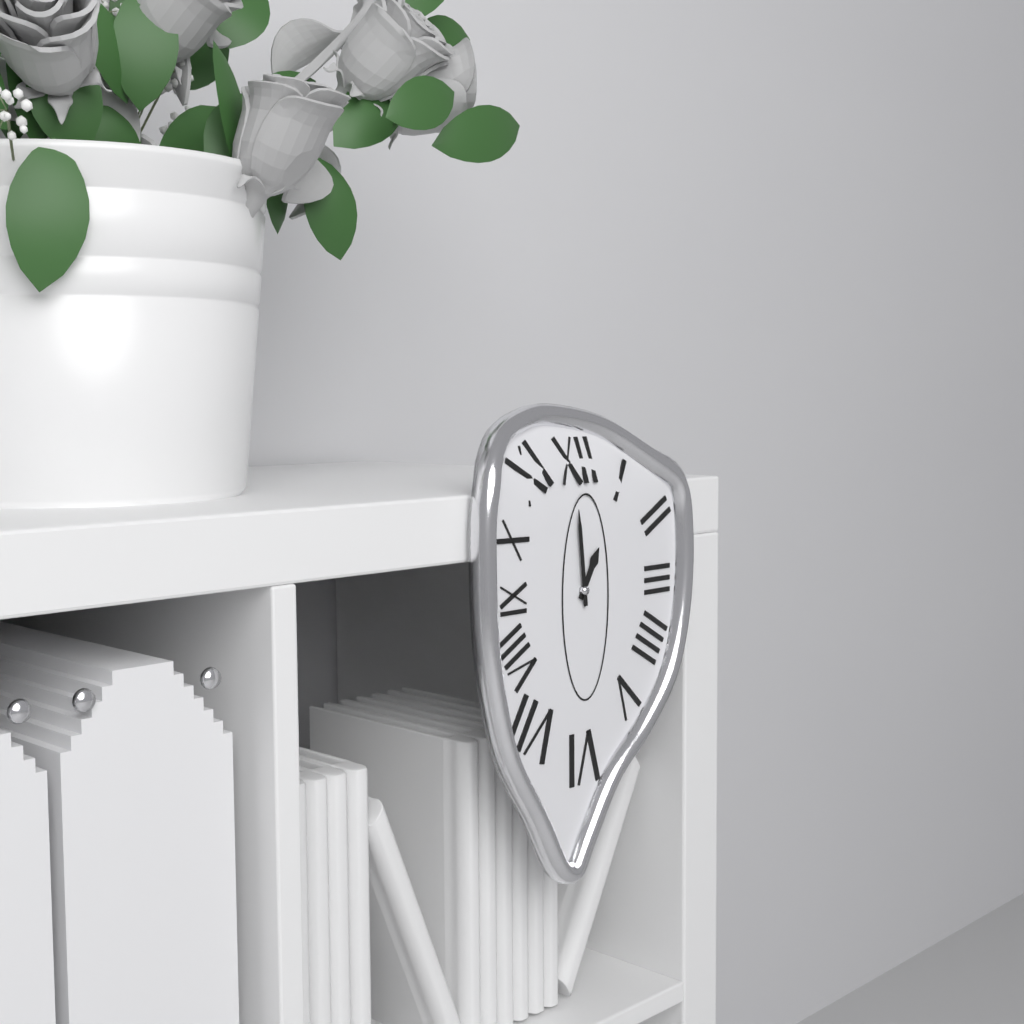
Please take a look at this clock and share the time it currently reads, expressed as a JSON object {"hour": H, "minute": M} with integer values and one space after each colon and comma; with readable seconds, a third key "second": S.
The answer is {"hour": 12, "minute": 59}
